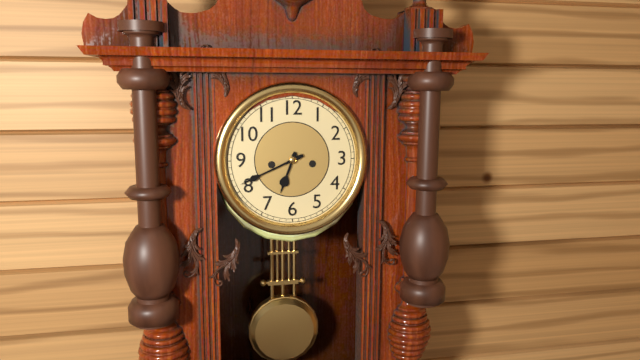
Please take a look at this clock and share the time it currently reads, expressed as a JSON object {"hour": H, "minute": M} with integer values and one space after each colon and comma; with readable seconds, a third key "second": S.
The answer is {"hour": 6, "minute": 41}
